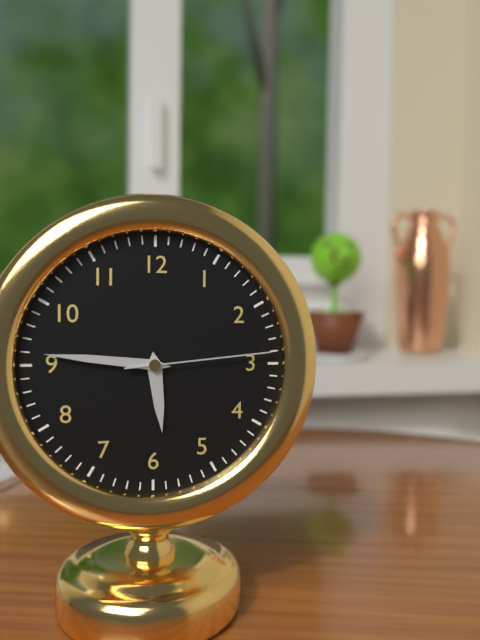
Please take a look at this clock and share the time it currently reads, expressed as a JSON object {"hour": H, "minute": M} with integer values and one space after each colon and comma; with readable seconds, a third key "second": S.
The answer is {"hour": 5, "minute": 46, "second": 14}
